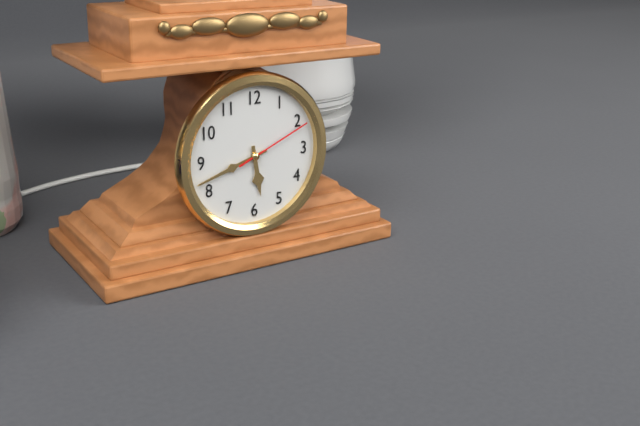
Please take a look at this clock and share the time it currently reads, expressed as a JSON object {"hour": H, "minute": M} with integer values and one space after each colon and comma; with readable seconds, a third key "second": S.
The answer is {"hour": 5, "minute": 42, "second": 11}
